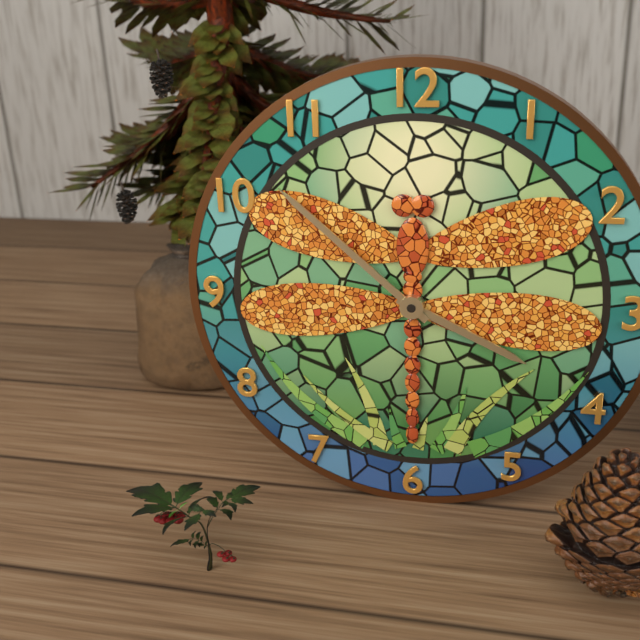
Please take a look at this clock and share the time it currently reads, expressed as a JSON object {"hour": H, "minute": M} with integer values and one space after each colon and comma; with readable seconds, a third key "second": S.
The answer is {"hour": 3, "minute": 52}
